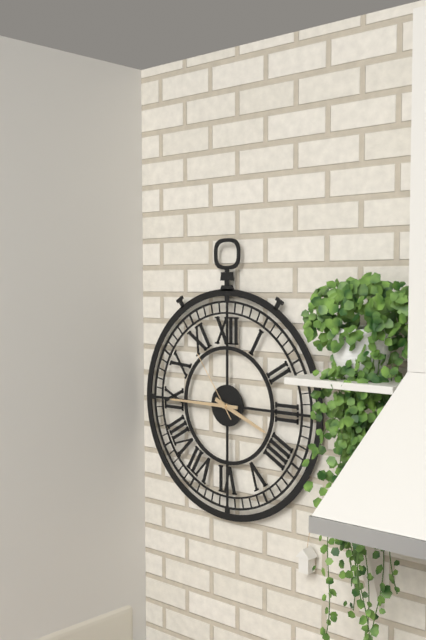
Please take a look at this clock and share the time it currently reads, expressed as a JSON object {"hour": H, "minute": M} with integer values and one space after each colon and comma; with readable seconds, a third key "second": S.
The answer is {"hour": 3, "minute": 45, "second": 54}
